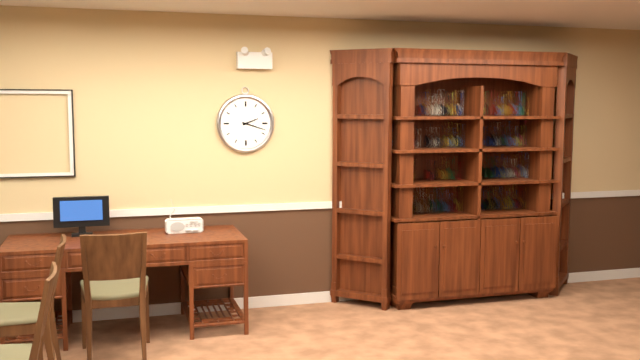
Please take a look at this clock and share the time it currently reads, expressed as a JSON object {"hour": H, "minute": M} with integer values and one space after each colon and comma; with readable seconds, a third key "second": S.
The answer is {"hour": 2, "minute": 18}
